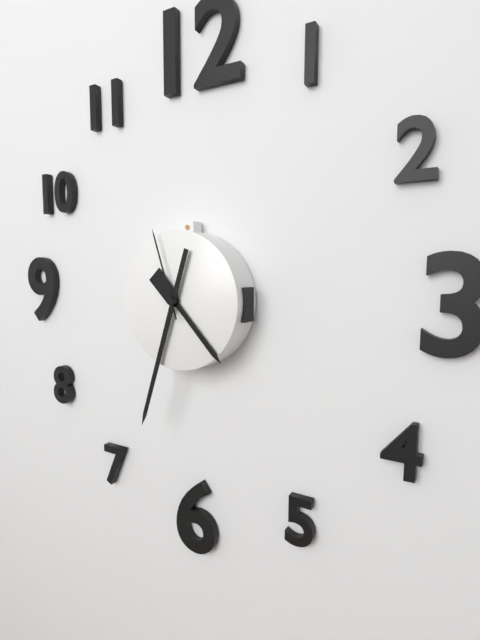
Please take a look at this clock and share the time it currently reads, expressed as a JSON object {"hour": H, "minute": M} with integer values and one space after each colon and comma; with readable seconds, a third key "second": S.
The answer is {"hour": 4, "minute": 33, "second": 57}
